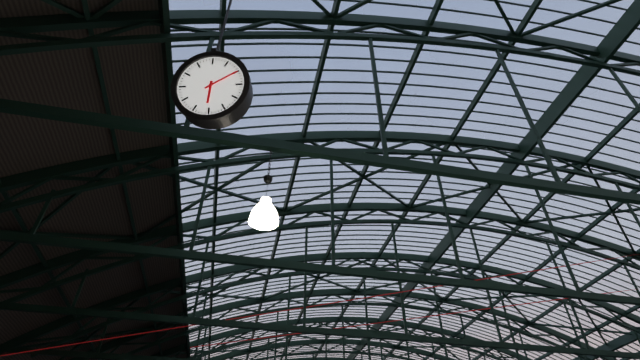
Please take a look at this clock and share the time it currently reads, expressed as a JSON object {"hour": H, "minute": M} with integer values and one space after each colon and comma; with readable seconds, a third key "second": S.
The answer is {"hour": 6, "minute": 10}
